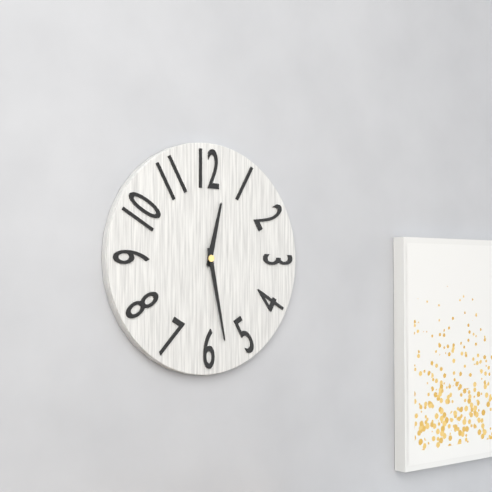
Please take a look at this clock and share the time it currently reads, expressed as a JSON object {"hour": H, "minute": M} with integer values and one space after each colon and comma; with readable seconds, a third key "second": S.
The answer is {"hour": 12, "minute": 28}
